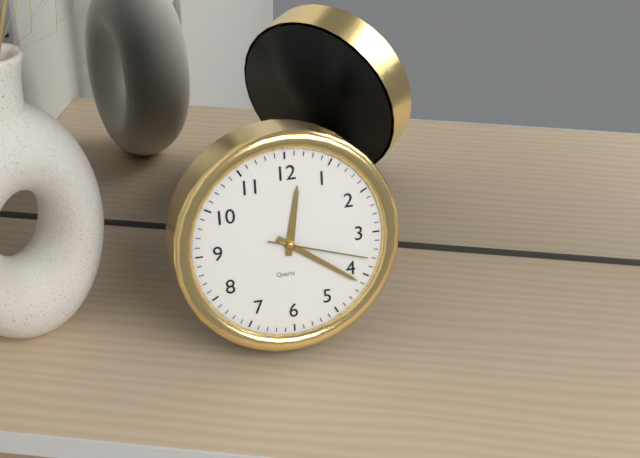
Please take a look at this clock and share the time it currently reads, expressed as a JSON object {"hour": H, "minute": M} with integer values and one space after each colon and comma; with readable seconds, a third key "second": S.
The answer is {"hour": 12, "minute": 21, "second": 18}
